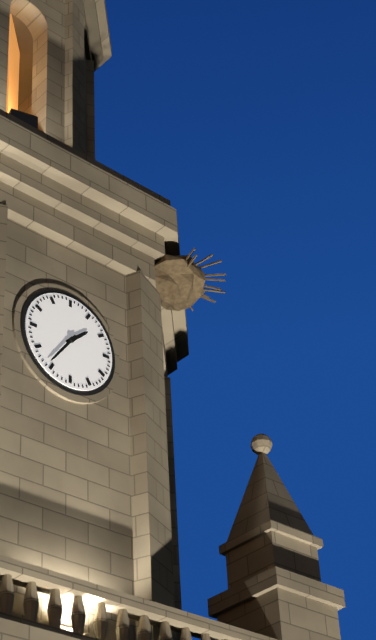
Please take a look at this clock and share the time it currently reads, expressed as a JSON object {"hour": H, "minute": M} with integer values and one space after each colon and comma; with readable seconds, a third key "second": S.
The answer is {"hour": 1, "minute": 36}
